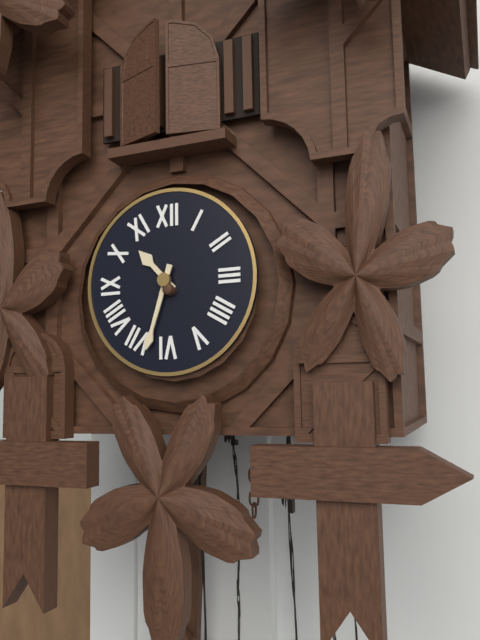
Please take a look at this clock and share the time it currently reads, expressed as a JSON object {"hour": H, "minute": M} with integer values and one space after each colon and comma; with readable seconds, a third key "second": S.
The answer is {"hour": 10, "minute": 33}
